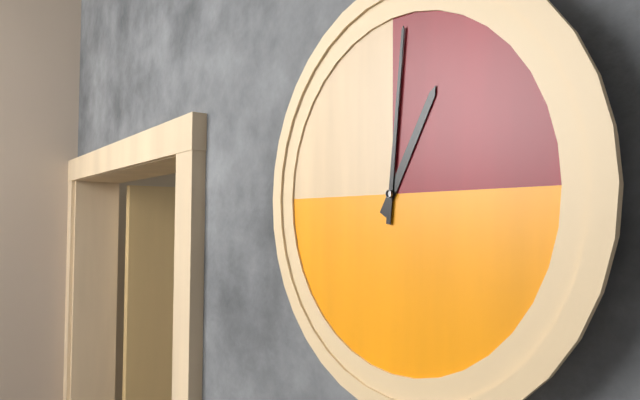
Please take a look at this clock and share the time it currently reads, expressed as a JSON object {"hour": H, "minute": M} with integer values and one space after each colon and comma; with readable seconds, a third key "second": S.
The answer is {"hour": 1, "minute": 1}
